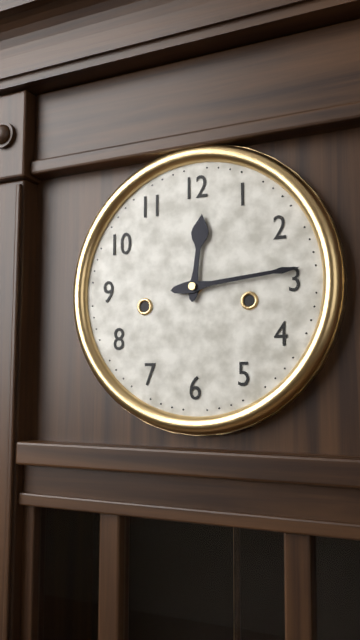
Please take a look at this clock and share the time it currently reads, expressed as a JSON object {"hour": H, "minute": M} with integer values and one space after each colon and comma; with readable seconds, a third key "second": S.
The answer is {"hour": 12, "minute": 14}
